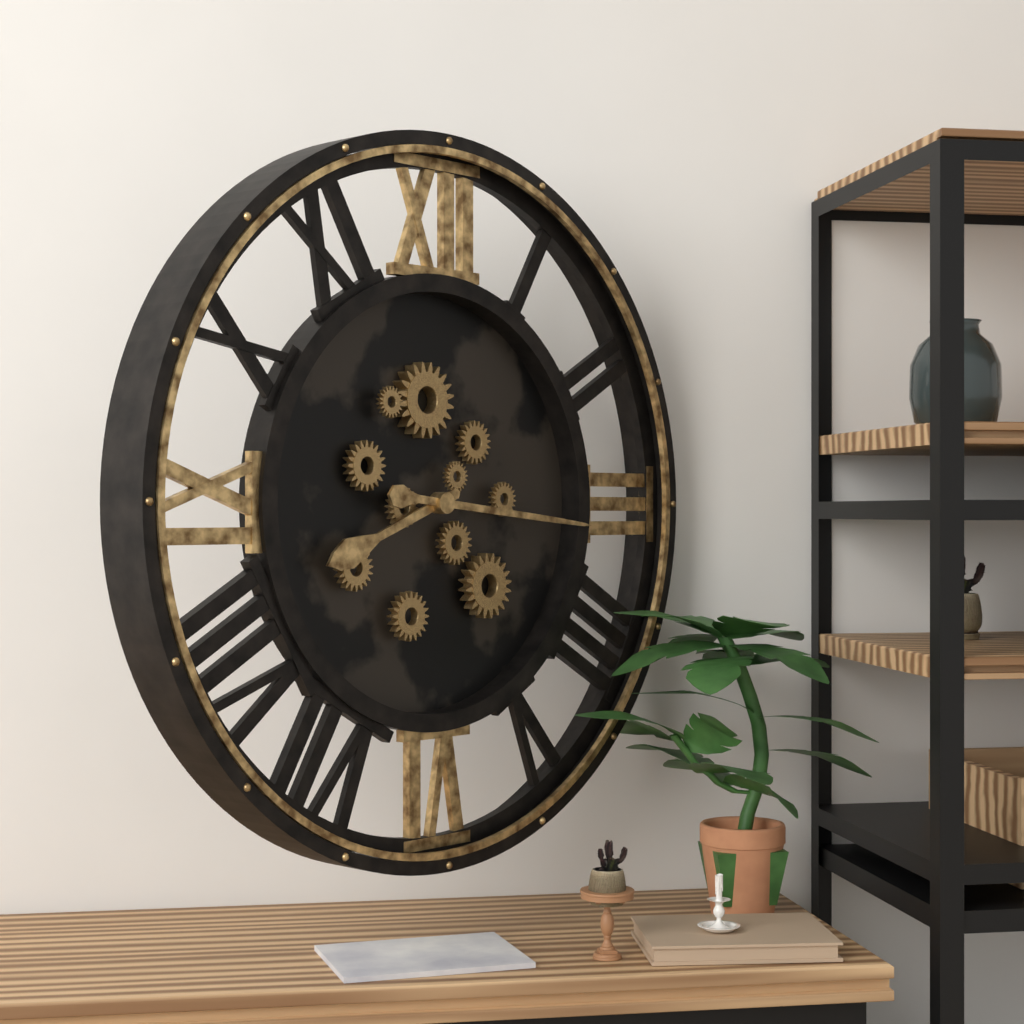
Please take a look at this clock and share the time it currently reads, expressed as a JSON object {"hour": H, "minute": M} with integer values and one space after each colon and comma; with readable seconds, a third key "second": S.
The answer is {"hour": 8, "minute": 16}
